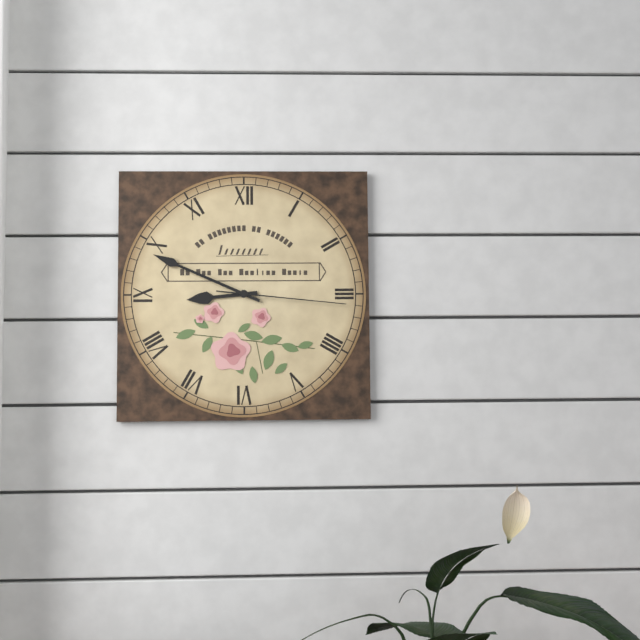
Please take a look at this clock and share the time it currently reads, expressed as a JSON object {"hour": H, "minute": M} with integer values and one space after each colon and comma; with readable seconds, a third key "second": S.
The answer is {"hour": 8, "minute": 49, "second": 16}
